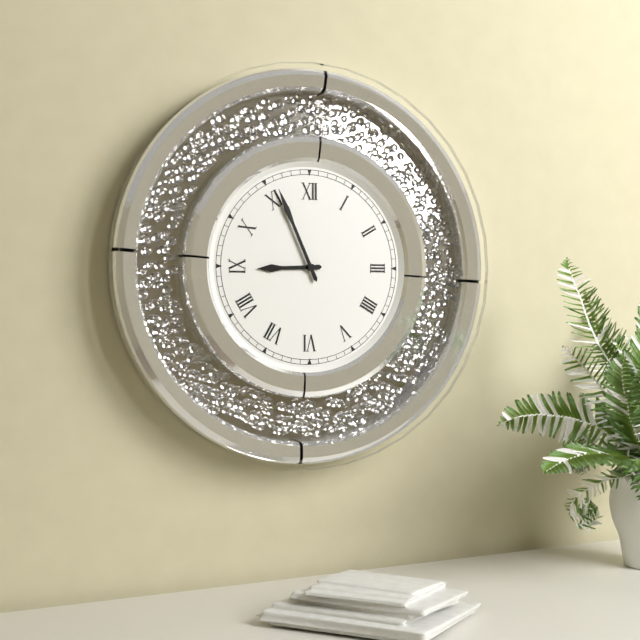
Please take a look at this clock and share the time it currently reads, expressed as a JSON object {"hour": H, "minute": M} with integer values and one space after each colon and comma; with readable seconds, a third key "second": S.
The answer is {"hour": 8, "minute": 56}
